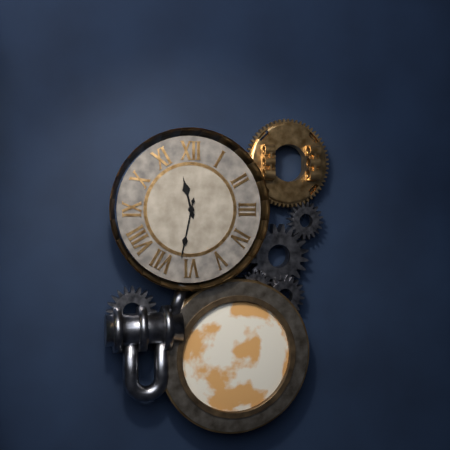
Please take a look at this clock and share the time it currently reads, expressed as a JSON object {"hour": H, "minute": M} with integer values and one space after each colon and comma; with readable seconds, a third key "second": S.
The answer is {"hour": 11, "minute": 32}
